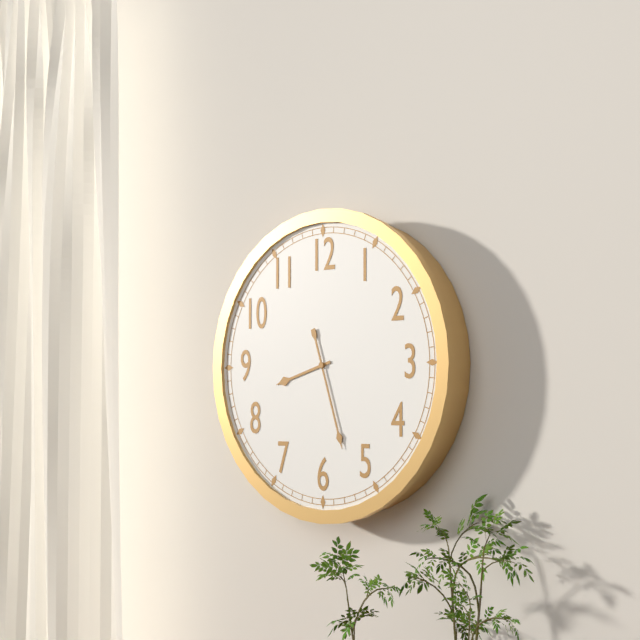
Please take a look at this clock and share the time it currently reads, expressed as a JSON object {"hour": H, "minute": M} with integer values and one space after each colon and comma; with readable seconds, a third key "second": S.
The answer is {"hour": 8, "minute": 27}
